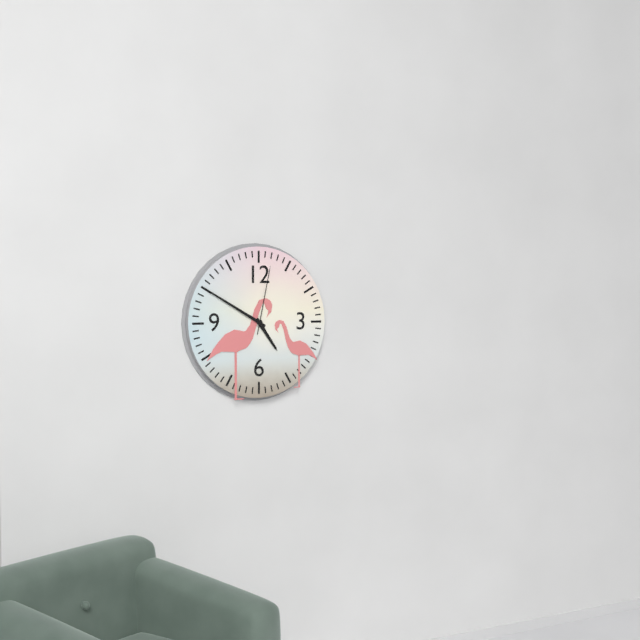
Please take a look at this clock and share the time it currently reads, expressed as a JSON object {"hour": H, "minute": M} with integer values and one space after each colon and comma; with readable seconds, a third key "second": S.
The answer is {"hour": 4, "minute": 50, "second": 2}
